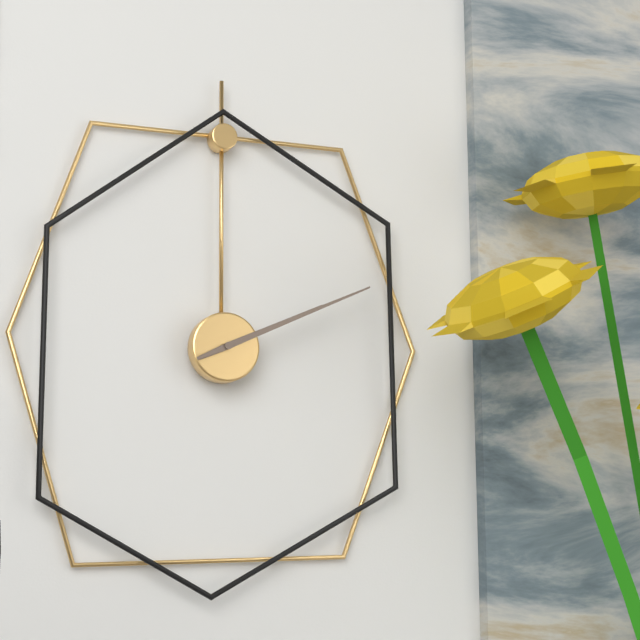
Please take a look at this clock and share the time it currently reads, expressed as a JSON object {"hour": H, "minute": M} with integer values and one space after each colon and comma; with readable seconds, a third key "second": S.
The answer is {"hour": 2, "minute": 11}
